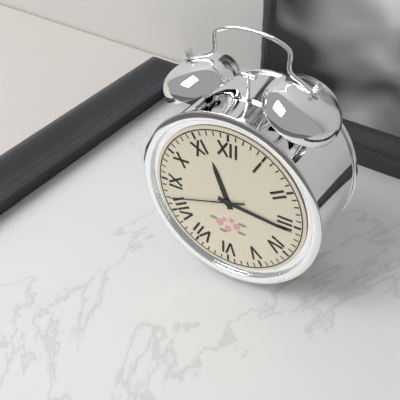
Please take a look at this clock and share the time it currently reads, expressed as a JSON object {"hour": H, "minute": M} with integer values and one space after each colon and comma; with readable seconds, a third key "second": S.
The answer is {"hour": 11, "minute": 16, "second": 42}
